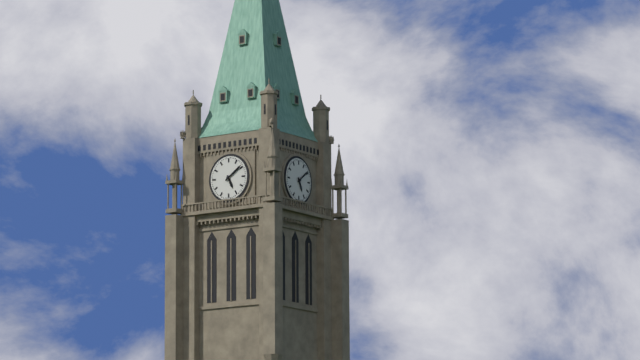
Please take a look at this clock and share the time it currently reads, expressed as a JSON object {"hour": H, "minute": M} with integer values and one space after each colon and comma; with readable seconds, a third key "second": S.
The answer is {"hour": 5, "minute": 9}
